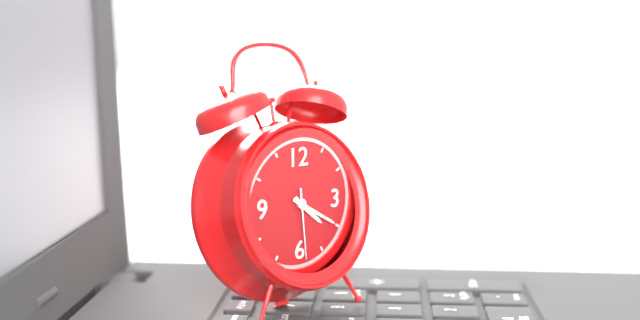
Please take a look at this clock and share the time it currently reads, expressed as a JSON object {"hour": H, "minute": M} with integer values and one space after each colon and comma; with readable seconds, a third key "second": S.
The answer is {"hour": 4, "minute": 20, "second": 29}
